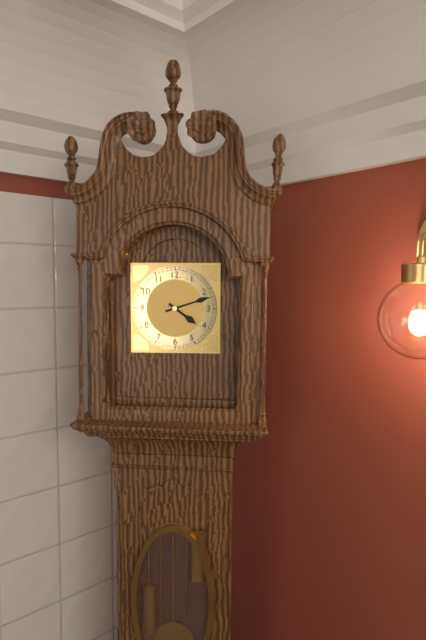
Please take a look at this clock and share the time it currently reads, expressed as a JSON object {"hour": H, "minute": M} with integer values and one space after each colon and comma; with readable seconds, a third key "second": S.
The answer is {"hour": 4, "minute": 12}
